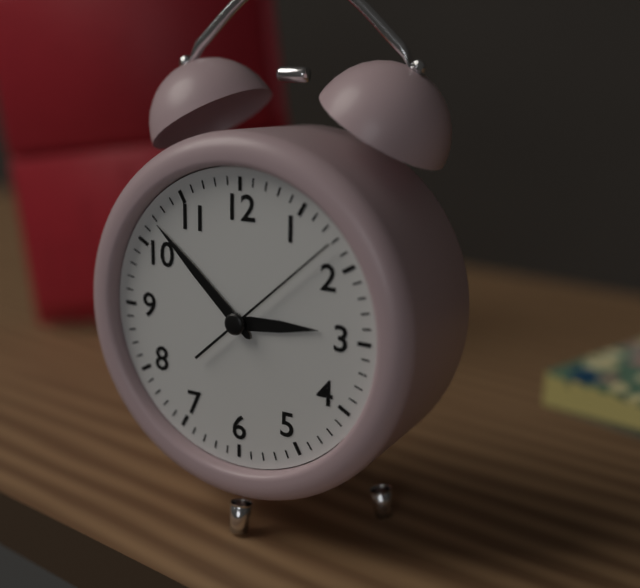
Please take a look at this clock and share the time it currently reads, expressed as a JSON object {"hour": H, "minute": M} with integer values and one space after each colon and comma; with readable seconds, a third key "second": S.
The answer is {"hour": 2, "minute": 52, "second": 8}
